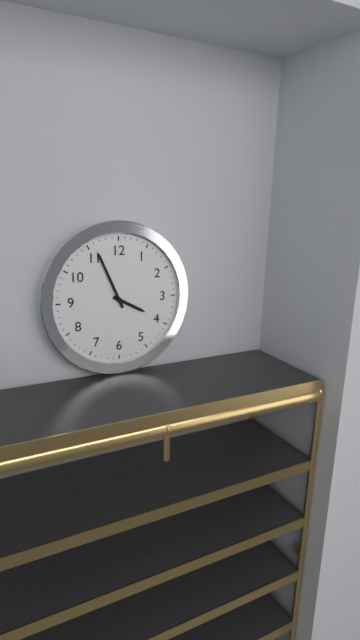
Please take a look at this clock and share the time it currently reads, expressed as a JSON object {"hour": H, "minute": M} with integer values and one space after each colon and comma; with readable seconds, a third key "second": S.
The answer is {"hour": 3, "minute": 56}
